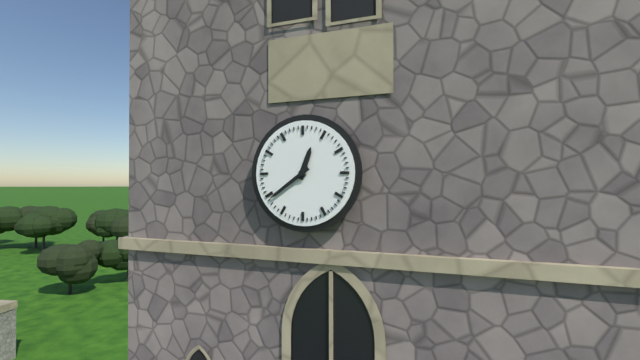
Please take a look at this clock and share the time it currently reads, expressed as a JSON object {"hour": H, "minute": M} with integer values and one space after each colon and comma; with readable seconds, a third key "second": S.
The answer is {"hour": 12, "minute": 39}
